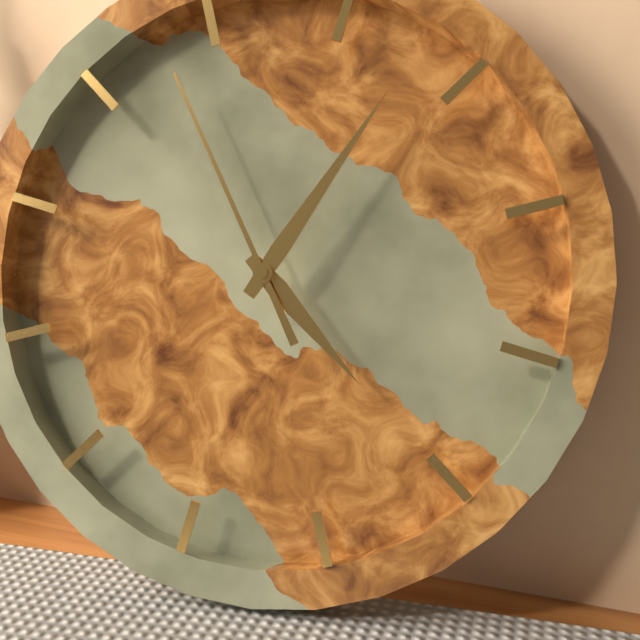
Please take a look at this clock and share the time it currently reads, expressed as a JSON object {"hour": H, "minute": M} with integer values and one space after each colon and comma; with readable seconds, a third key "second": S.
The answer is {"hour": 4, "minute": 3, "second": 53}
